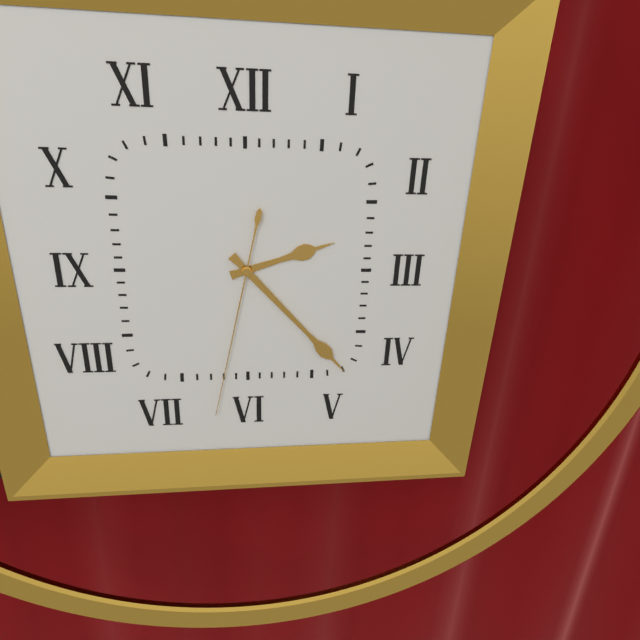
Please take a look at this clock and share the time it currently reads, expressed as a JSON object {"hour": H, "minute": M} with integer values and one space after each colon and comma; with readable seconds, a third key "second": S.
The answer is {"hour": 2, "minute": 23, "second": 32}
